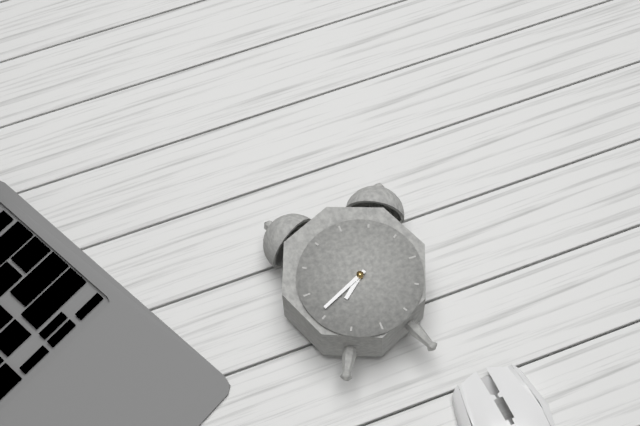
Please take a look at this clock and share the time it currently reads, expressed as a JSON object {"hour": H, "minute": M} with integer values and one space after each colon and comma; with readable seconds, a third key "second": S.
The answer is {"hour": 7, "minute": 41}
